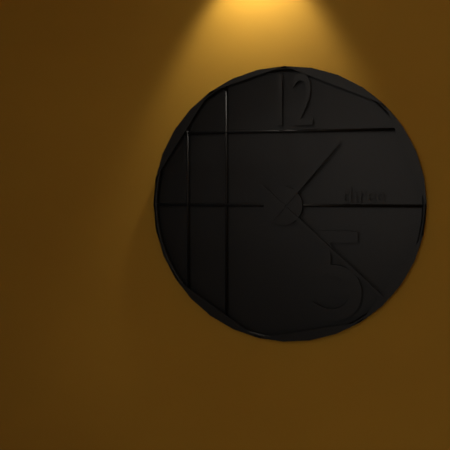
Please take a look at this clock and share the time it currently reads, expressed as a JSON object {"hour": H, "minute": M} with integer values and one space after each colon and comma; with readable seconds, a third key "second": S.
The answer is {"hour": 1, "minute": 22}
